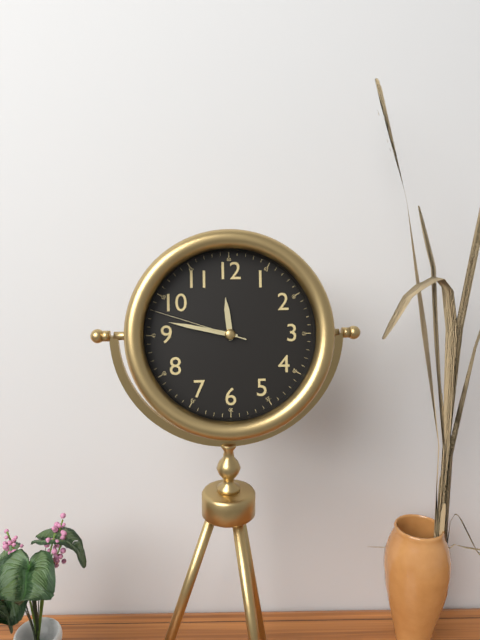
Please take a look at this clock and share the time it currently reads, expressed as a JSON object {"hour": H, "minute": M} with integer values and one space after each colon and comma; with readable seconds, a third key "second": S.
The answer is {"hour": 11, "minute": 47, "second": 48}
